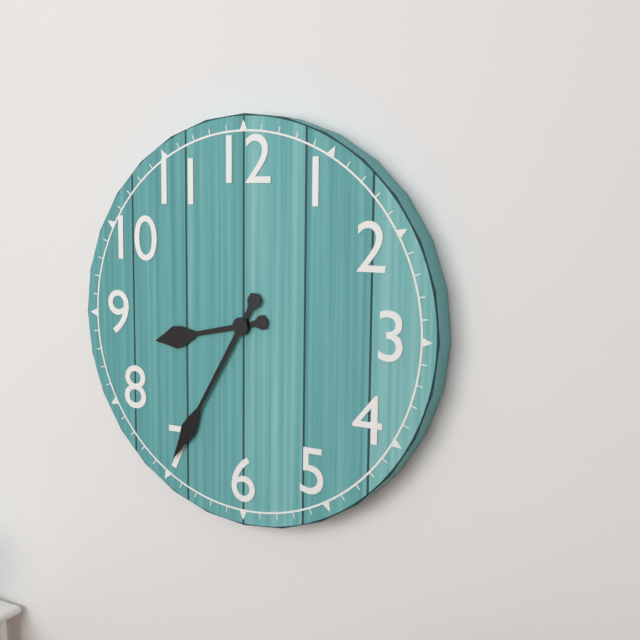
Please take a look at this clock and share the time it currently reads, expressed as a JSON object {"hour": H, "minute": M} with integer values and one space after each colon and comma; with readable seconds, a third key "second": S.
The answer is {"hour": 8, "minute": 35}
